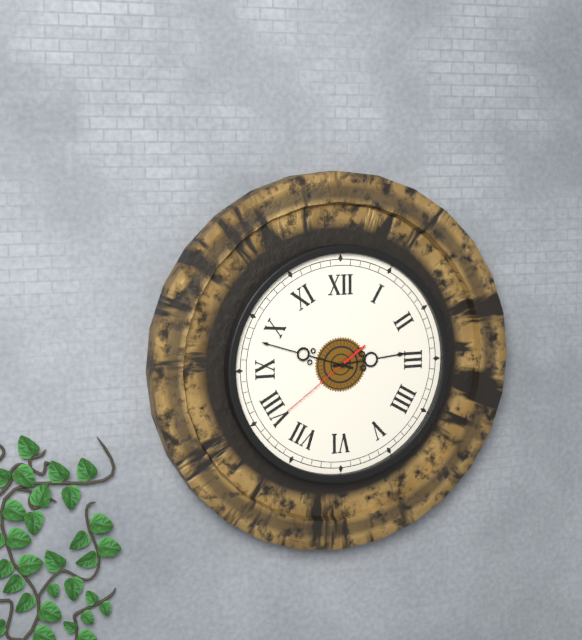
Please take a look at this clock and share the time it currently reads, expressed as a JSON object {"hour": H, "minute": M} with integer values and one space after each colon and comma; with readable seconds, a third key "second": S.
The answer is {"hour": 2, "minute": 48, "second": 39}
